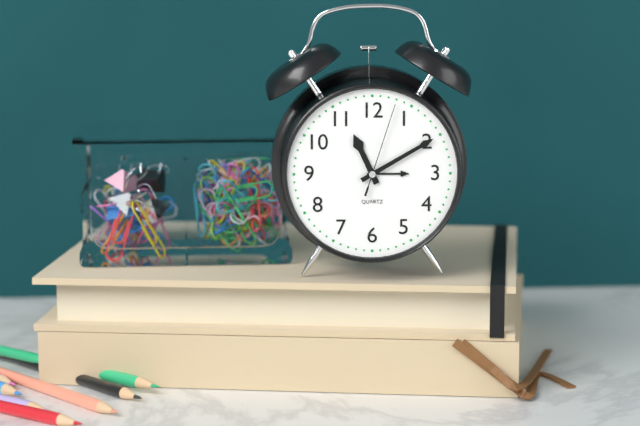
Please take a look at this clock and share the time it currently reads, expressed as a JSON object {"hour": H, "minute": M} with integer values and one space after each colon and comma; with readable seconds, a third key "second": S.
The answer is {"hour": 11, "minute": 10, "second": 3}
